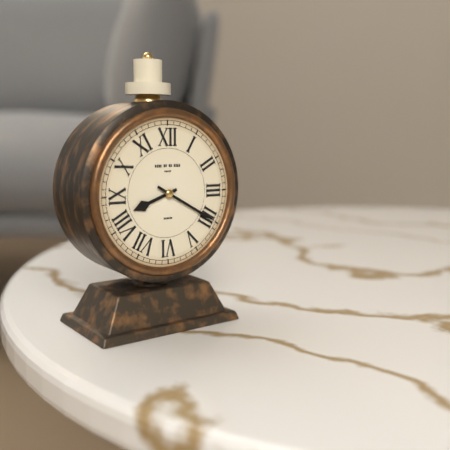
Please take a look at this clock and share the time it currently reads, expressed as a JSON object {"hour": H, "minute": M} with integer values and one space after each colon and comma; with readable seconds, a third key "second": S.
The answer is {"hour": 8, "minute": 20}
